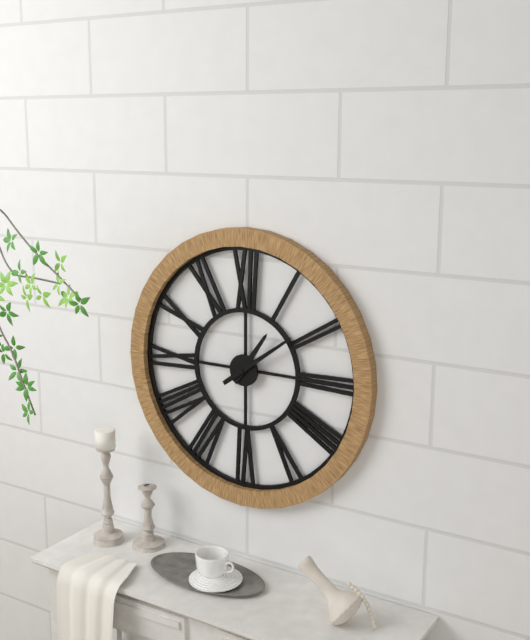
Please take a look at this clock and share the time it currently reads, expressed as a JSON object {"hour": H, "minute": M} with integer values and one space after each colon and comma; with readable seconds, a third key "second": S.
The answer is {"hour": 1, "minute": 9}
